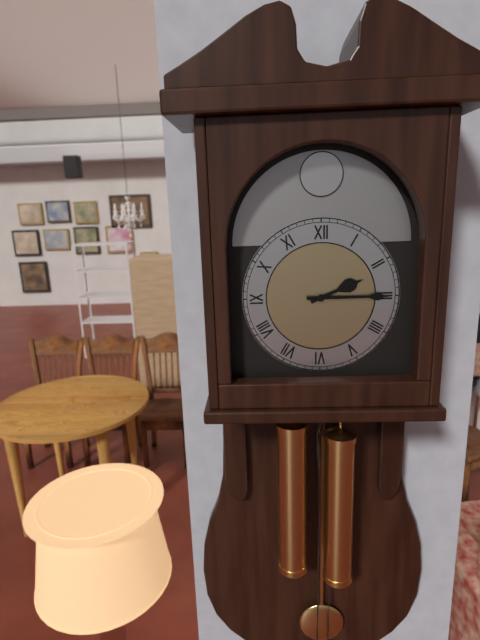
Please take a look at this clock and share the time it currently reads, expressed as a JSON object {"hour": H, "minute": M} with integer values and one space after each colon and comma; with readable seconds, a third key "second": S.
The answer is {"hour": 2, "minute": 15}
